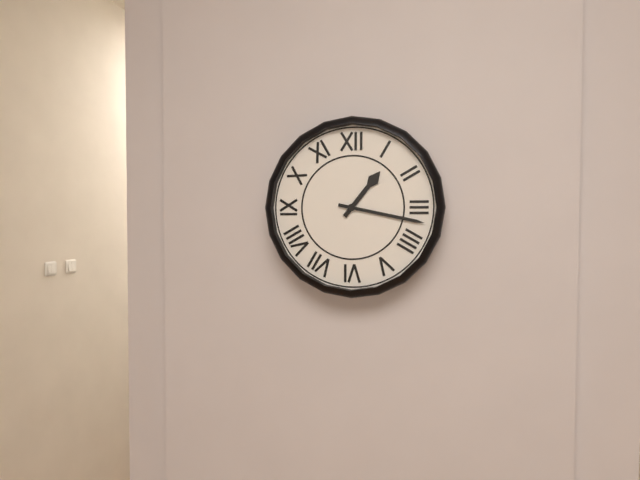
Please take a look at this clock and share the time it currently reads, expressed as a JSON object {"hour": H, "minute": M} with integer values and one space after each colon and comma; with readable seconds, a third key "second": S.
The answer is {"hour": 1, "minute": 17}
